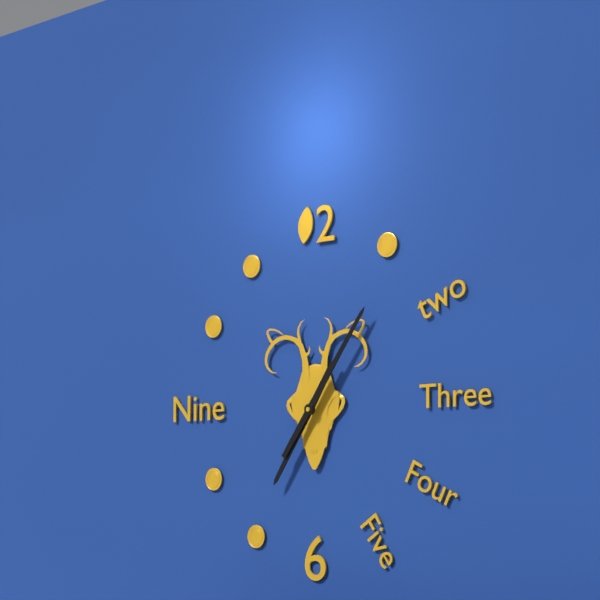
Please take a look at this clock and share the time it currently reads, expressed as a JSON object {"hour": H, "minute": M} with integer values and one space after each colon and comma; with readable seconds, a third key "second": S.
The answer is {"hour": 7, "minute": 6}
